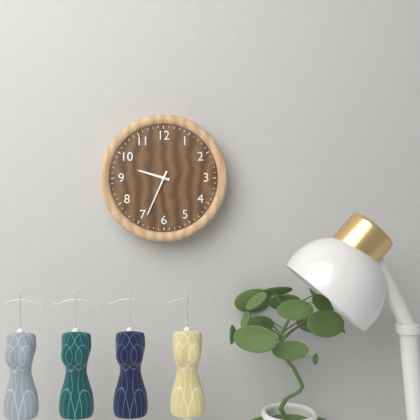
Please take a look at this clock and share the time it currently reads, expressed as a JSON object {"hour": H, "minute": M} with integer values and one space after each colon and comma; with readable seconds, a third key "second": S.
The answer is {"hour": 9, "minute": 34}
